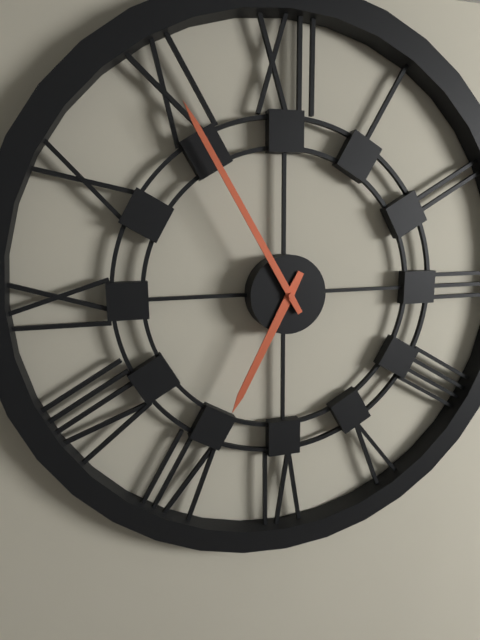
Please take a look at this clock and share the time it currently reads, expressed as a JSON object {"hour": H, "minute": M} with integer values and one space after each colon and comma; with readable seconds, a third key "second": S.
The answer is {"hour": 6, "minute": 55}
